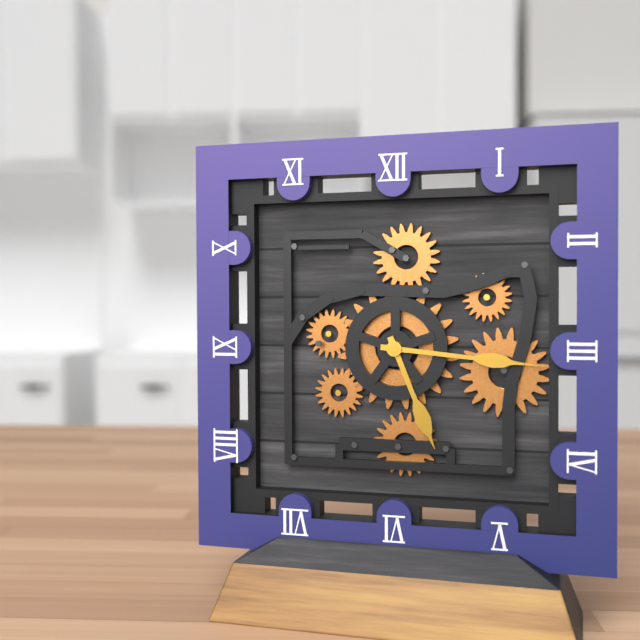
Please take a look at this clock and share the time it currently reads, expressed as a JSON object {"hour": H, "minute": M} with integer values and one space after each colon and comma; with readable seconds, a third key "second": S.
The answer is {"hour": 5, "minute": 16}
